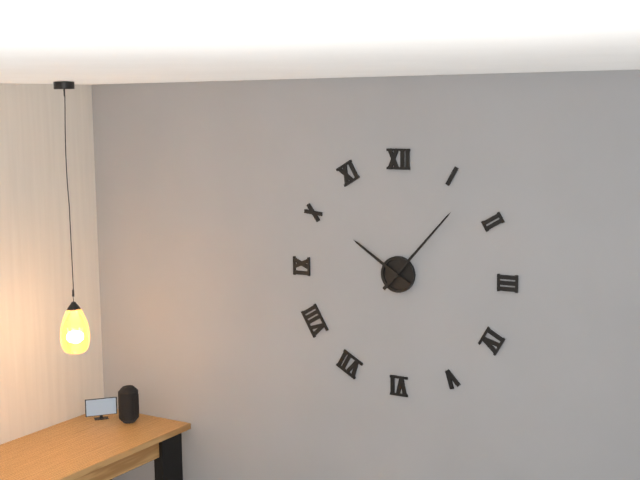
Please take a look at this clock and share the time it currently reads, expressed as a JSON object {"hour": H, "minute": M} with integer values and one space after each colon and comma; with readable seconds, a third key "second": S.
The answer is {"hour": 10, "minute": 7}
